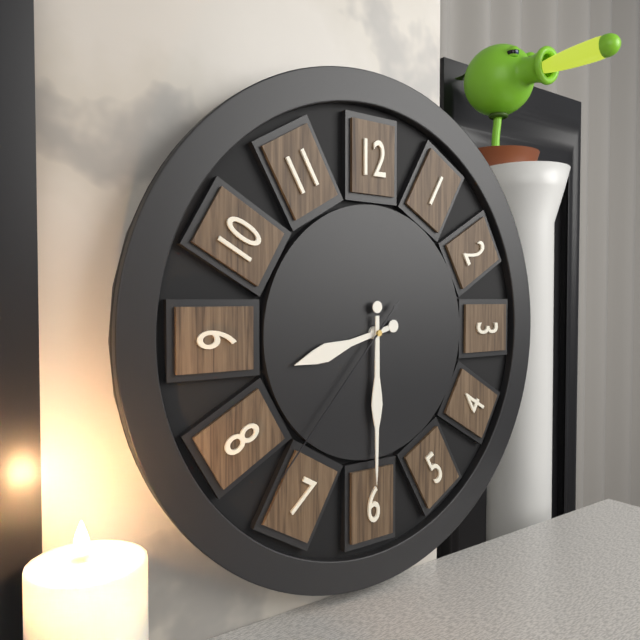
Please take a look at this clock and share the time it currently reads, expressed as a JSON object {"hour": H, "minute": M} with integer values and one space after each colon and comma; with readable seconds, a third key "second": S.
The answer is {"hour": 8, "minute": 30, "second": 37}
